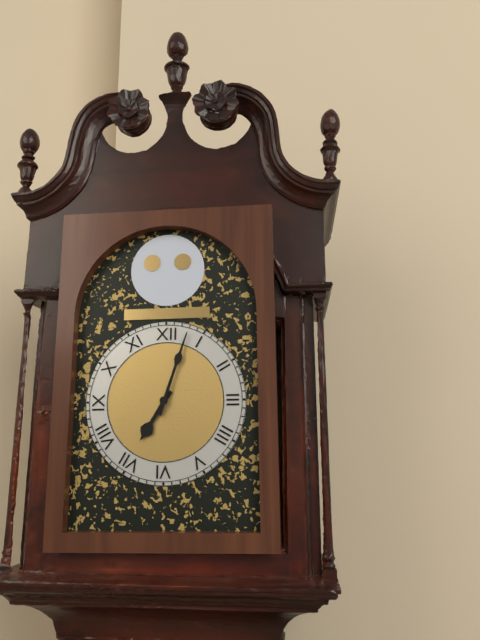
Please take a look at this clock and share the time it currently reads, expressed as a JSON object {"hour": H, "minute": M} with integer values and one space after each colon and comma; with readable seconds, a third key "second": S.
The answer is {"hour": 7, "minute": 3}
